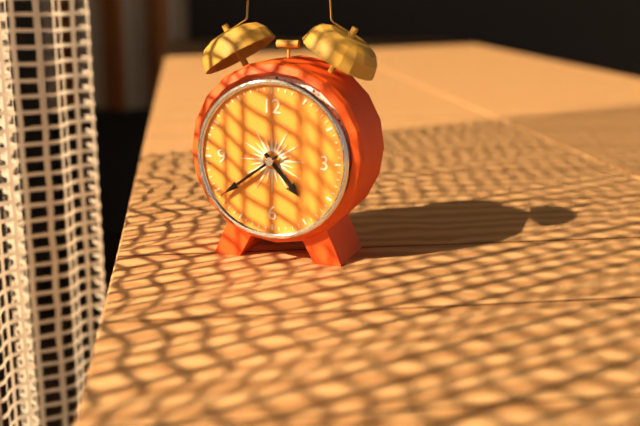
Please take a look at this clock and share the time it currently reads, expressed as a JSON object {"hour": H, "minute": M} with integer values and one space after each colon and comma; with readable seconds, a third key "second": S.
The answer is {"hour": 4, "minute": 39, "second": 39}
